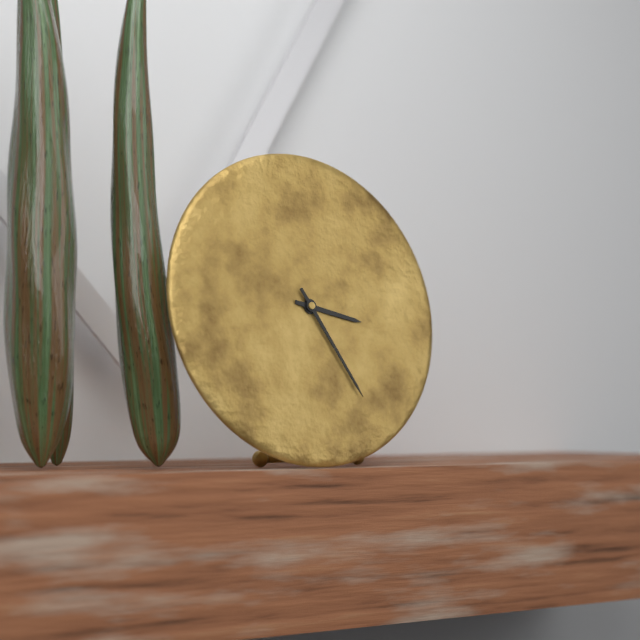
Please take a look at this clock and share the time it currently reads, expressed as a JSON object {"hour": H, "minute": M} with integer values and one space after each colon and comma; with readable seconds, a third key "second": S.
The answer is {"hour": 3, "minute": 25}
